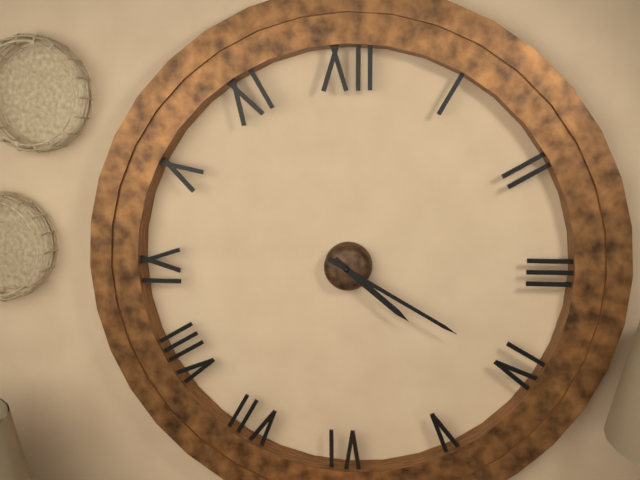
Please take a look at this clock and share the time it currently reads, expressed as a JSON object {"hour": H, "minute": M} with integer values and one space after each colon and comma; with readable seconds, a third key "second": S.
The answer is {"hour": 4, "minute": 20}
